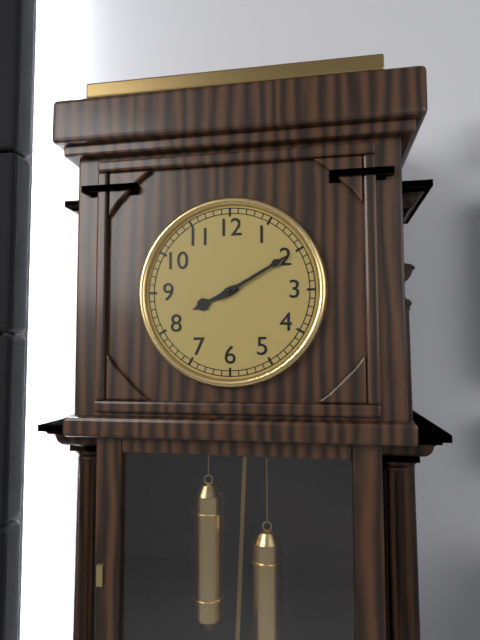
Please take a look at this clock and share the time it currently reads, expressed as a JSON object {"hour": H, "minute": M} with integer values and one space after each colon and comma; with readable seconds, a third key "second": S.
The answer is {"hour": 8, "minute": 10}
